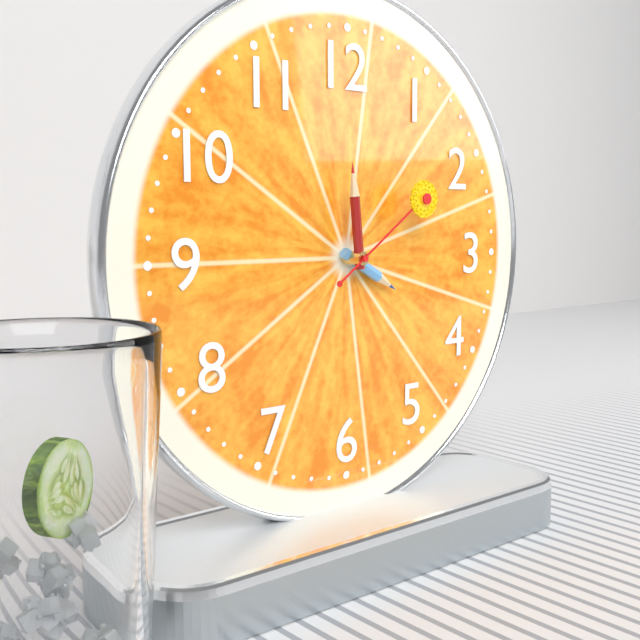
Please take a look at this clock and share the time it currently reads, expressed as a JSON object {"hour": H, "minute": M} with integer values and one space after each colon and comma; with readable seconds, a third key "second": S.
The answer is {"hour": 3, "minute": 59, "second": 9}
